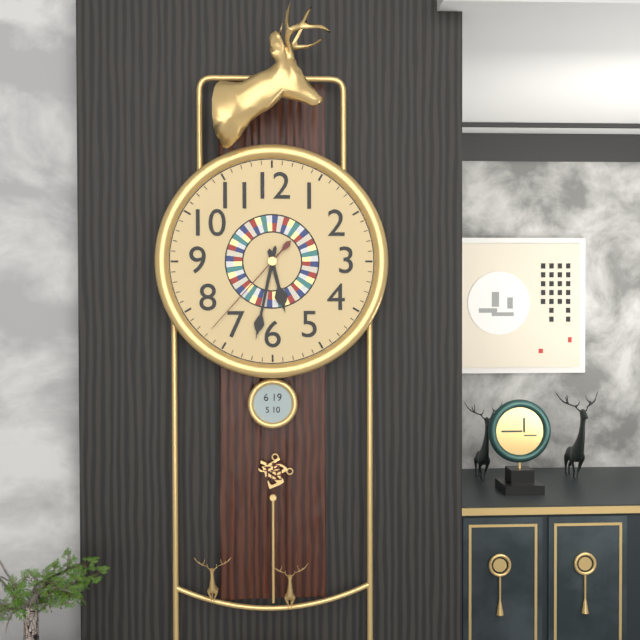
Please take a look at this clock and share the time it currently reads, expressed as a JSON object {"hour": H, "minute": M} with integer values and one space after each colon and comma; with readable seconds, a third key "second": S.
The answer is {"hour": 5, "minute": 32, "second": 37}
